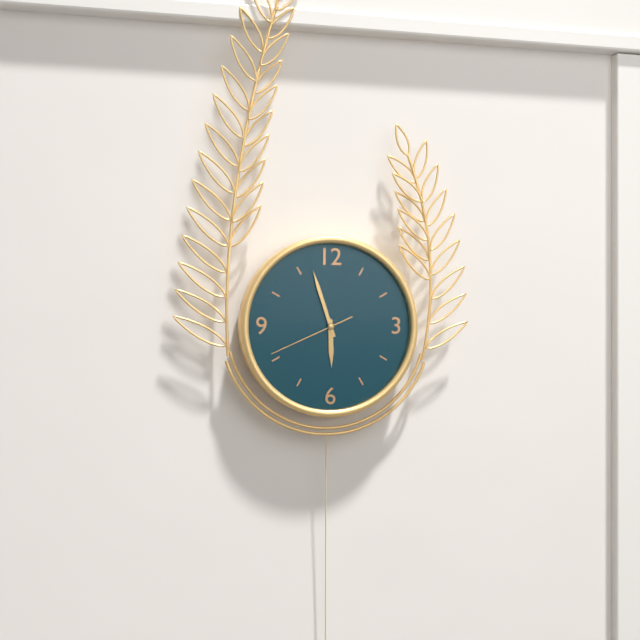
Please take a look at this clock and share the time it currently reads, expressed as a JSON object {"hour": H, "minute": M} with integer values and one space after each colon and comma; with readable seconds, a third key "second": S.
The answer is {"hour": 5, "minute": 57, "second": 41}
